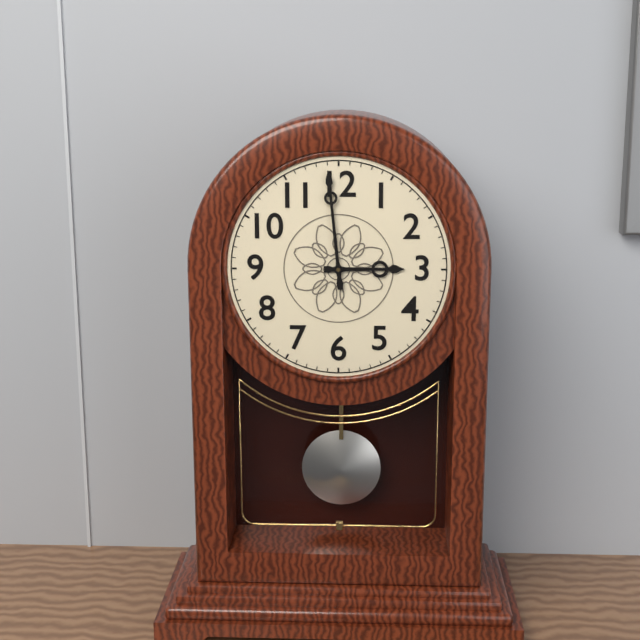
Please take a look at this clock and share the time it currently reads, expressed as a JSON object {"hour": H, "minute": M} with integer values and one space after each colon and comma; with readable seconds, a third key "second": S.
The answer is {"hour": 2, "minute": 59}
